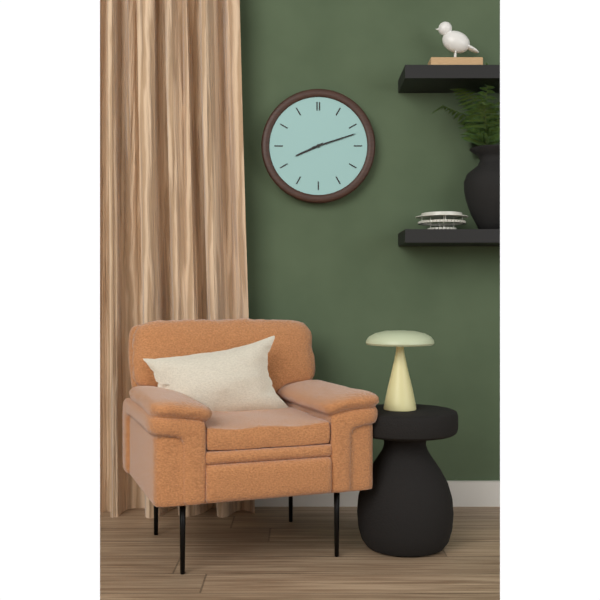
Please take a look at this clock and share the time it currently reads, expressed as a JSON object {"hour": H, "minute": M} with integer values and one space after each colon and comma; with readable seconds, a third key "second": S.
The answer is {"hour": 8, "minute": 12}
